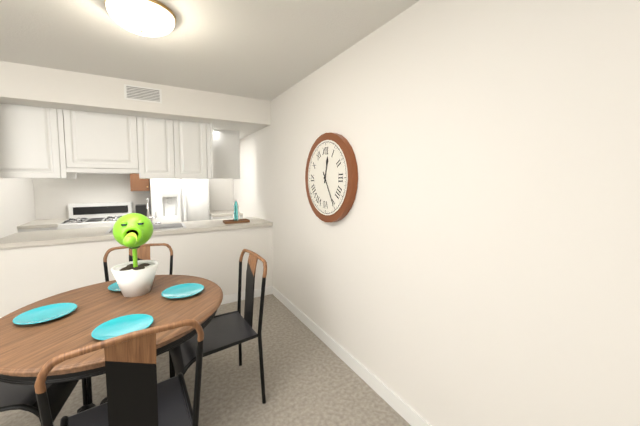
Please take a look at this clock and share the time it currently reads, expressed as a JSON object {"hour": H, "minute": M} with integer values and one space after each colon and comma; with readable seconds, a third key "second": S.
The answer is {"hour": 12, "minute": 25}
